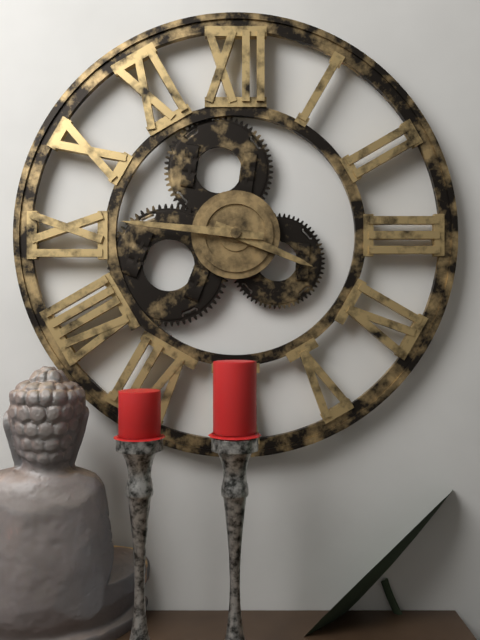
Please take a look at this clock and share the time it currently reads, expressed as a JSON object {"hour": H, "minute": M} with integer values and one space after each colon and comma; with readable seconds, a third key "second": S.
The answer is {"hour": 3, "minute": 46}
